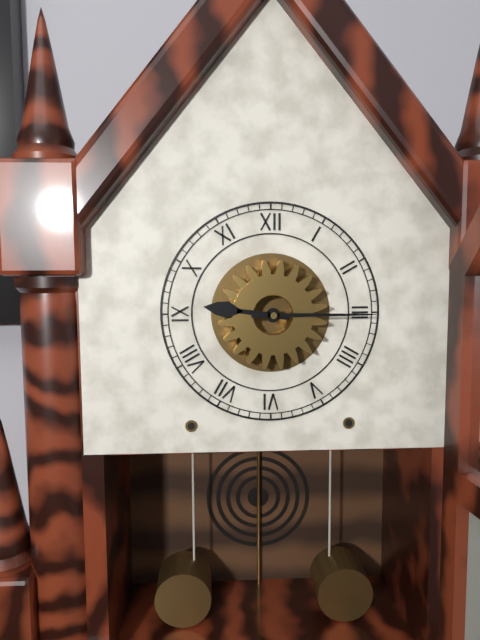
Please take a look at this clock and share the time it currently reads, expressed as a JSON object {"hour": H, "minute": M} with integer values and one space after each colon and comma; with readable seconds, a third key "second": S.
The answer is {"hour": 9, "minute": 15}
